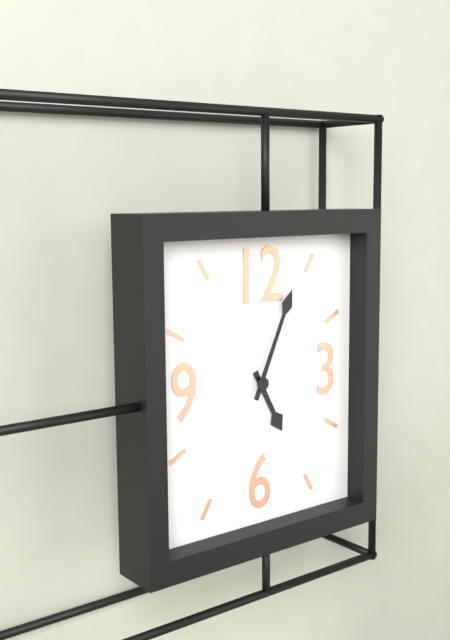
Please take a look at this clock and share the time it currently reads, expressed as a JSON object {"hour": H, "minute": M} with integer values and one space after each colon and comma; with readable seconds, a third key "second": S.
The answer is {"hour": 5, "minute": 4}
